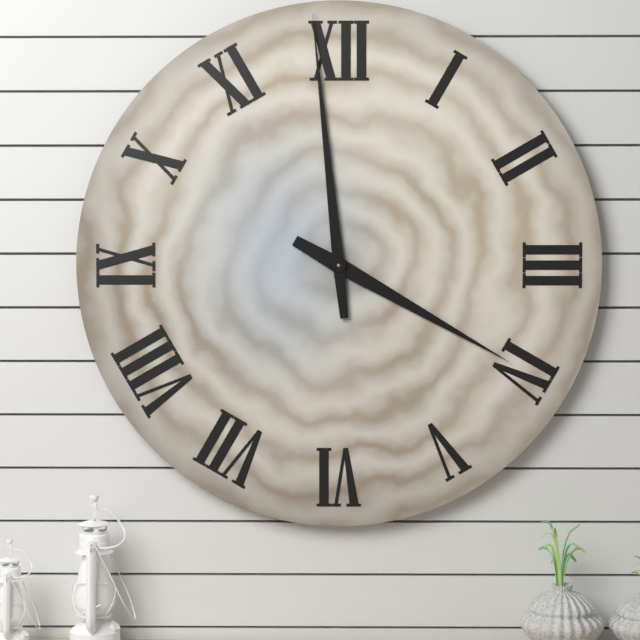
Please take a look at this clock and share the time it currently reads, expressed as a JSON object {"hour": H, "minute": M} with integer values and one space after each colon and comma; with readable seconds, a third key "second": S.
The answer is {"hour": 3, "minute": 59}
